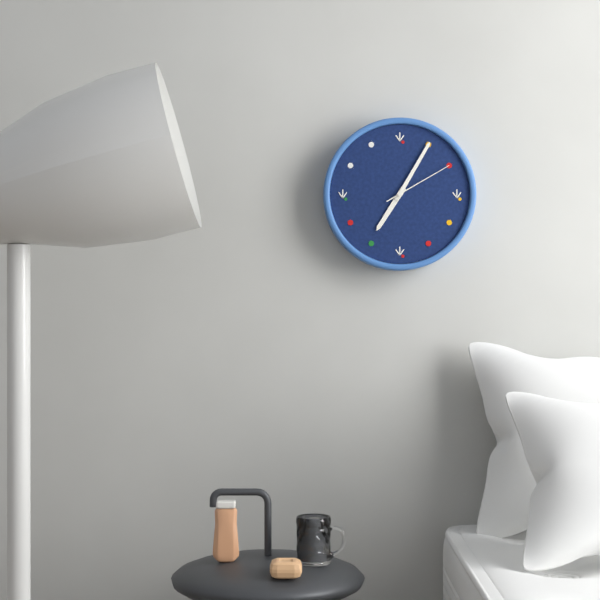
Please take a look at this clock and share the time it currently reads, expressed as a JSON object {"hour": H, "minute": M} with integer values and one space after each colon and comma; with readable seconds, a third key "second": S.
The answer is {"hour": 7, "minute": 5, "second": 10}
